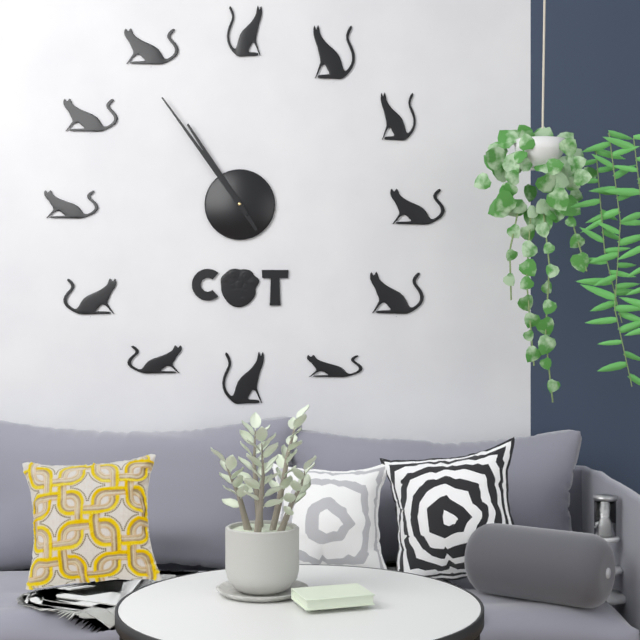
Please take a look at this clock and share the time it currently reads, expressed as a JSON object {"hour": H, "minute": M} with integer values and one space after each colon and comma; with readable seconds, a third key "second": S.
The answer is {"hour": 10, "minute": 54}
